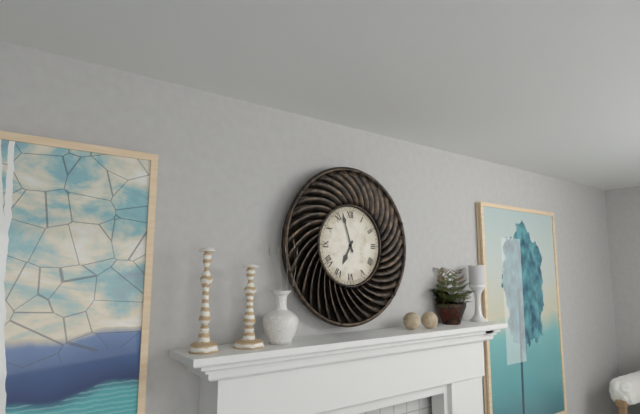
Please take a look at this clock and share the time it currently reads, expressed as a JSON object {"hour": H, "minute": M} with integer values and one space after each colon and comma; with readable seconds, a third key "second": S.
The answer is {"hour": 6, "minute": 57}
